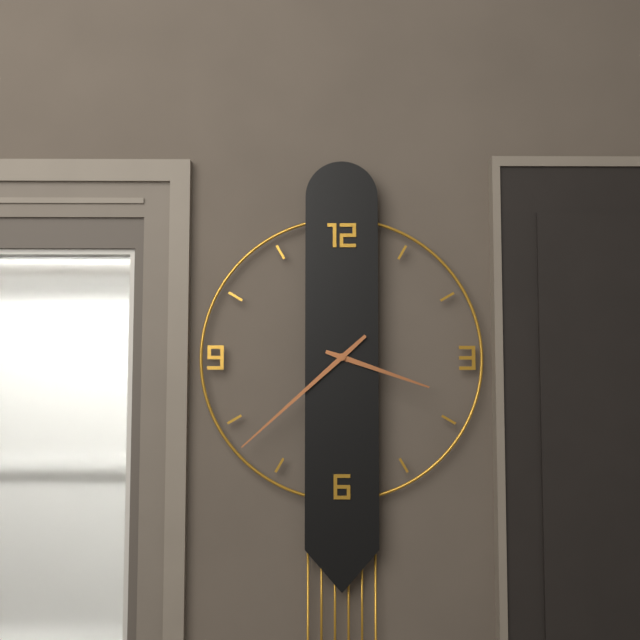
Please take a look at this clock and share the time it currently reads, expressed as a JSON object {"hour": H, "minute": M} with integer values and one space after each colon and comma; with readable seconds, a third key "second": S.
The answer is {"hour": 3, "minute": 38}
